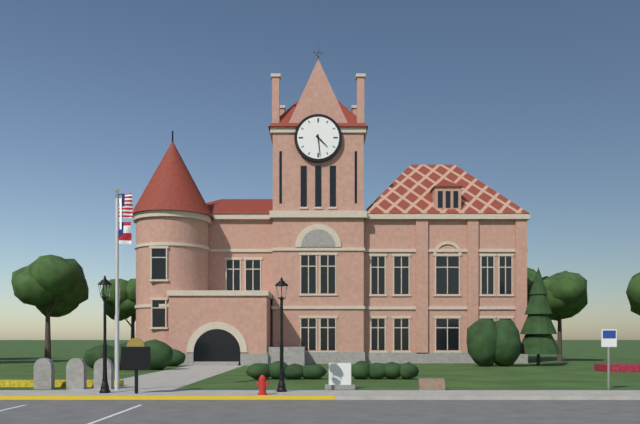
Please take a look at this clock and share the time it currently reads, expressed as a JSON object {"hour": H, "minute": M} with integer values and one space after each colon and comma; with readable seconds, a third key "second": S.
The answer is {"hour": 4, "minute": 29}
